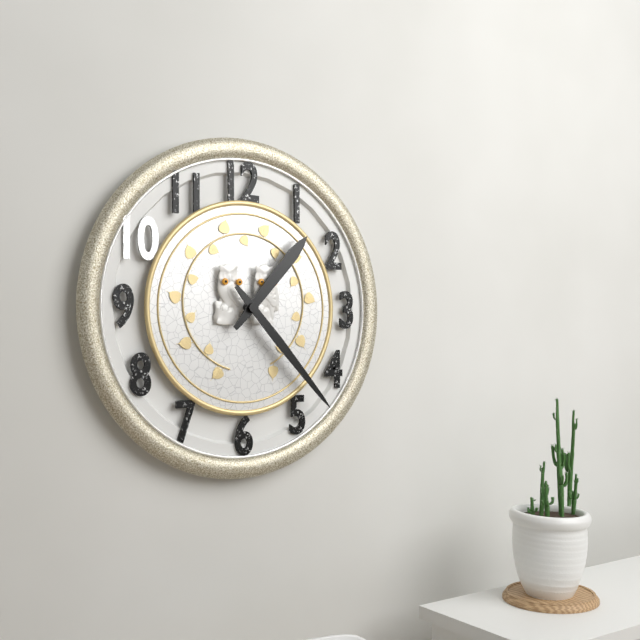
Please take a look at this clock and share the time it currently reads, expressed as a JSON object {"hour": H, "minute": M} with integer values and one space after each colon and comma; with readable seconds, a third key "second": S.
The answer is {"hour": 1, "minute": 23}
